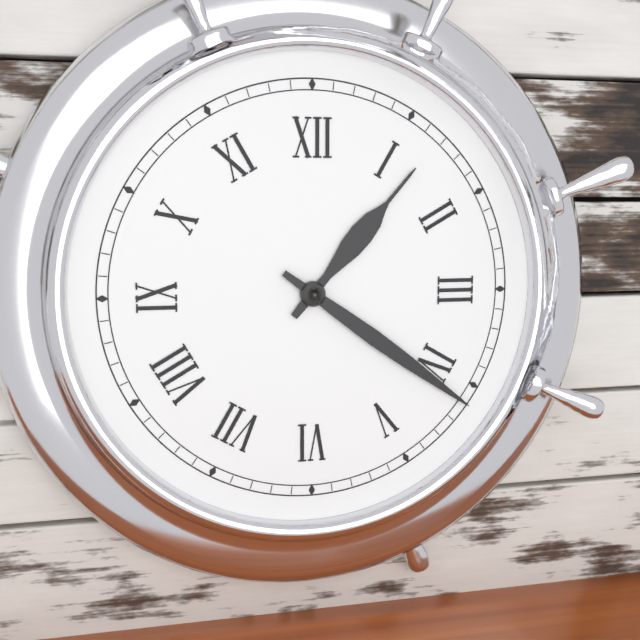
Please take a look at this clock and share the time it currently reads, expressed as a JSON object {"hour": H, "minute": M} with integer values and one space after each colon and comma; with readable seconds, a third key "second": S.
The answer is {"hour": 1, "minute": 21}
